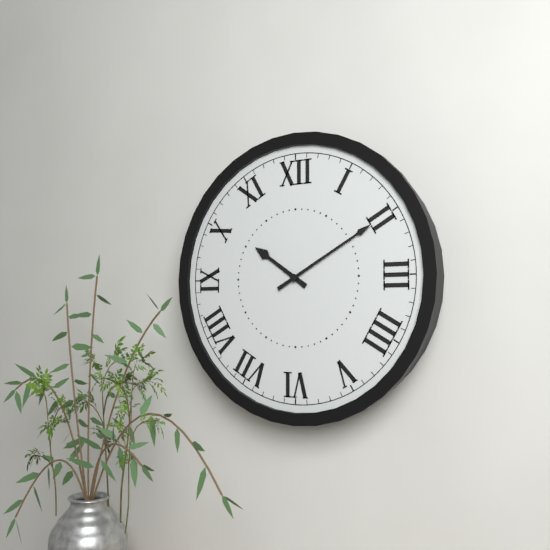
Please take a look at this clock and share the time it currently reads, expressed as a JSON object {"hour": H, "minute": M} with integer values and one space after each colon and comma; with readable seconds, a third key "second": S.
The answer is {"hour": 10, "minute": 10}
